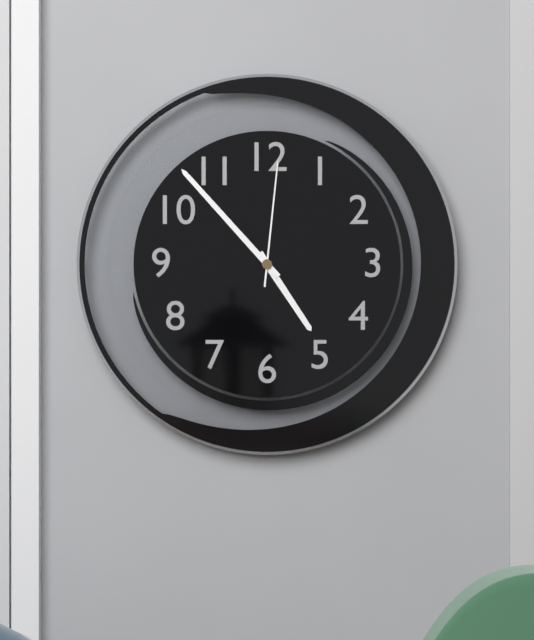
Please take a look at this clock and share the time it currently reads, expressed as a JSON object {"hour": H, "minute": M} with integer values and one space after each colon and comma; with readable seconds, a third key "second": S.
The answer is {"hour": 4, "minute": 53, "second": 1}
